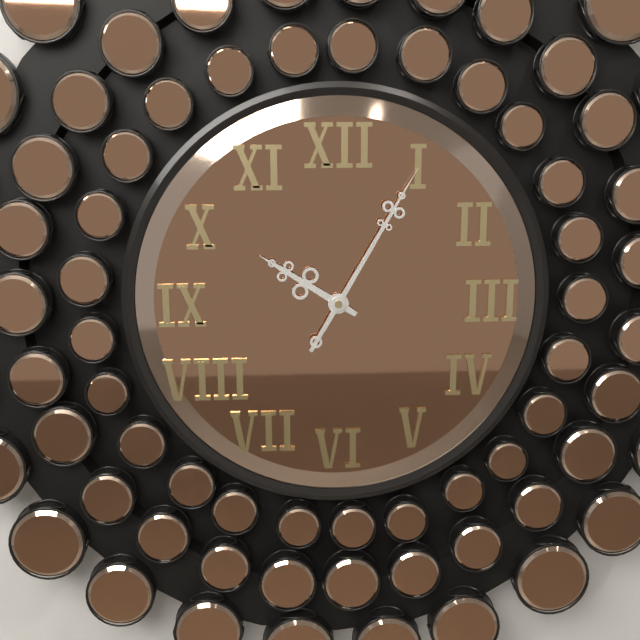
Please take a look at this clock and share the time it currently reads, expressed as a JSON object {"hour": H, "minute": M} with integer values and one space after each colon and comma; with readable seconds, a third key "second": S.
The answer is {"hour": 10, "minute": 5}
